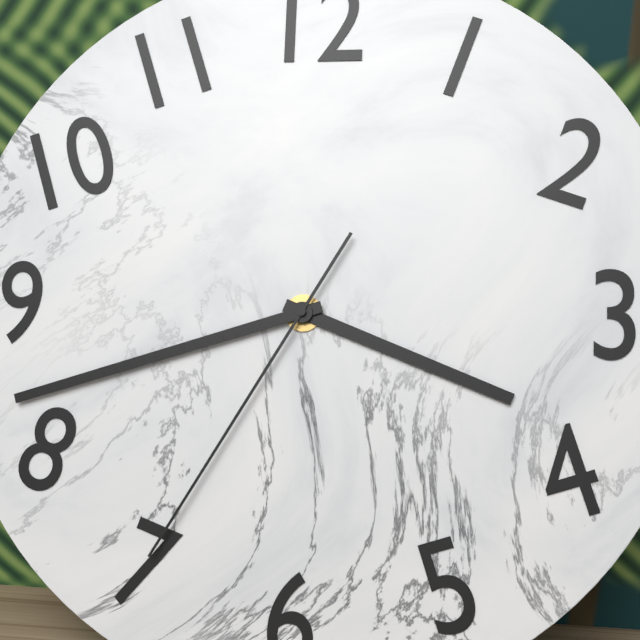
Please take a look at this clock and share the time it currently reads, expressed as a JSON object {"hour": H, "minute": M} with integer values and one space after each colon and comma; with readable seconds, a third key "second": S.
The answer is {"hour": 3, "minute": 42, "second": 35}
